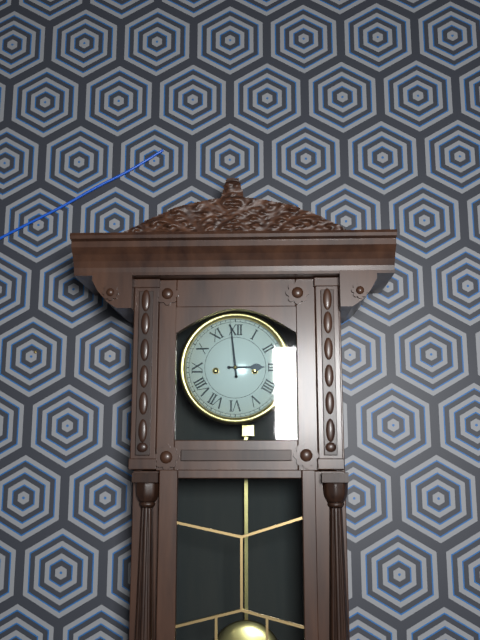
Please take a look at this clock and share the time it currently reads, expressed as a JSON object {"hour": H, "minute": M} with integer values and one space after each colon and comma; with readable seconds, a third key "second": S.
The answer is {"hour": 2, "minute": 59}
